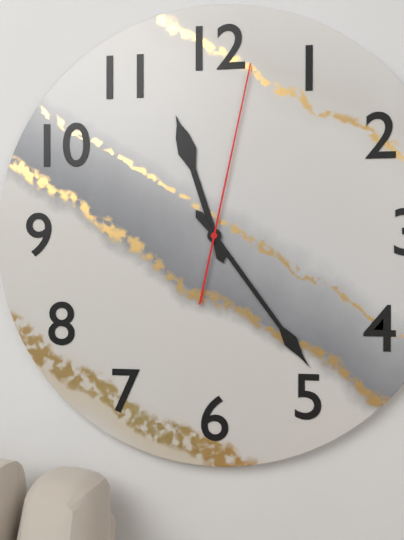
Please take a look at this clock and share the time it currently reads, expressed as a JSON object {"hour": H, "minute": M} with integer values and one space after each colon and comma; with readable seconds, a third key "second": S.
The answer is {"hour": 11, "minute": 24, "second": 2}
